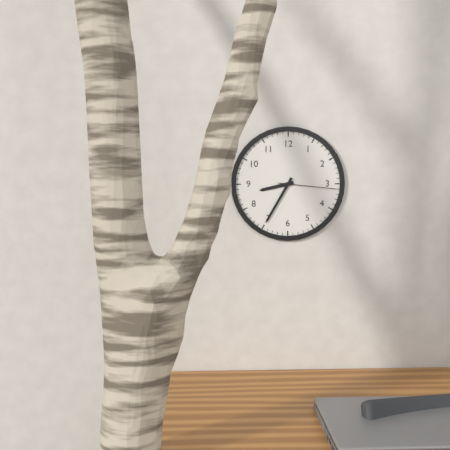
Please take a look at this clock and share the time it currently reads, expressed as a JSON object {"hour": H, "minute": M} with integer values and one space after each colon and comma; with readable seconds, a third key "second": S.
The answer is {"hour": 8, "minute": 35, "second": 16}
